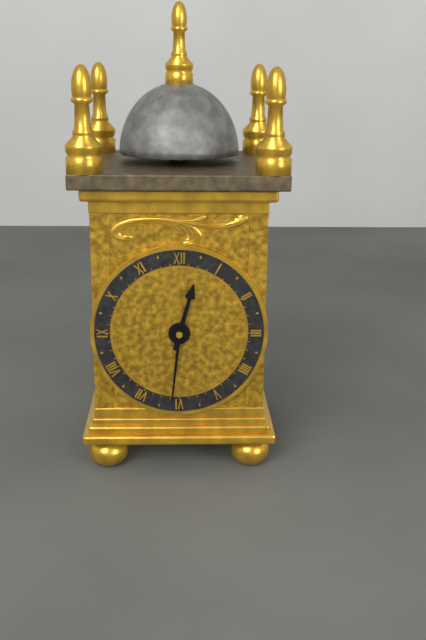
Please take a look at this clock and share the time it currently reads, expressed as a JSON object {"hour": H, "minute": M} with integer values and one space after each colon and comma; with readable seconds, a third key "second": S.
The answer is {"hour": 12, "minute": 31}
